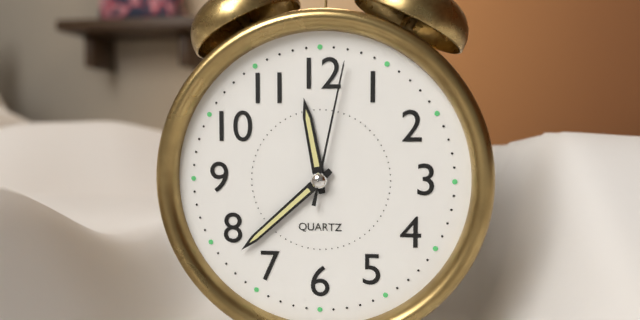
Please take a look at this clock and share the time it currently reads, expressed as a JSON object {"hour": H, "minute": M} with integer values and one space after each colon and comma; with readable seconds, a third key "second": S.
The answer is {"hour": 11, "minute": 38, "second": 2}
